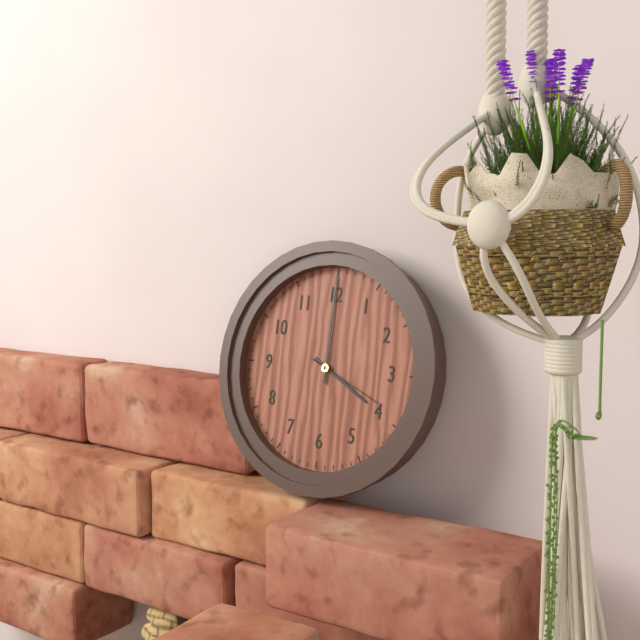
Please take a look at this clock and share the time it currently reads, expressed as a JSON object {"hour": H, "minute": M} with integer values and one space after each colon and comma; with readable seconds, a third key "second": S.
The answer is {"hour": 4, "minute": 0, "second": 19}
